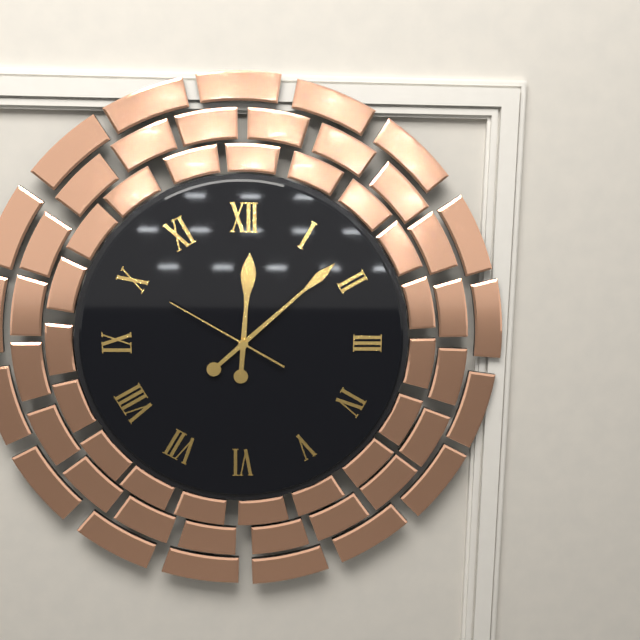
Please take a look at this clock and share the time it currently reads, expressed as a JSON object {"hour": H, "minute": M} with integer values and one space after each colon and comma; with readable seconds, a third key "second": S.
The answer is {"hour": 12, "minute": 8, "second": 50}
